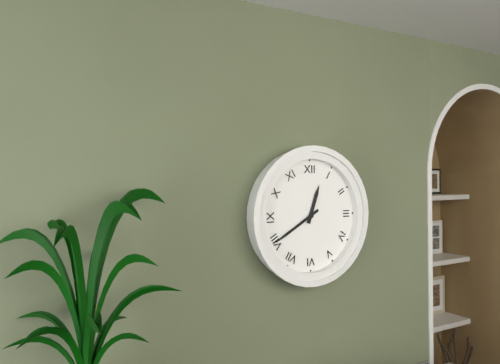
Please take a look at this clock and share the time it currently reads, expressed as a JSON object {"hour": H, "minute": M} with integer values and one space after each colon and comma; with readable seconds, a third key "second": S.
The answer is {"hour": 12, "minute": 40}
